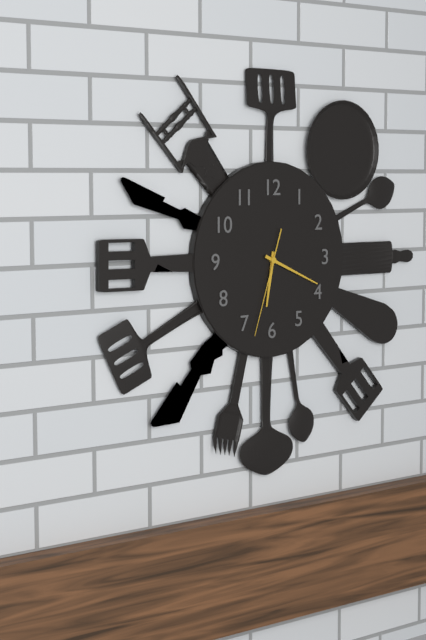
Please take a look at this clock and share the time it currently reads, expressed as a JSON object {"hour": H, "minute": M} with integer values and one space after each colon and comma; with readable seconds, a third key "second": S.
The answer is {"hour": 6, "minute": 19, "second": 33}
